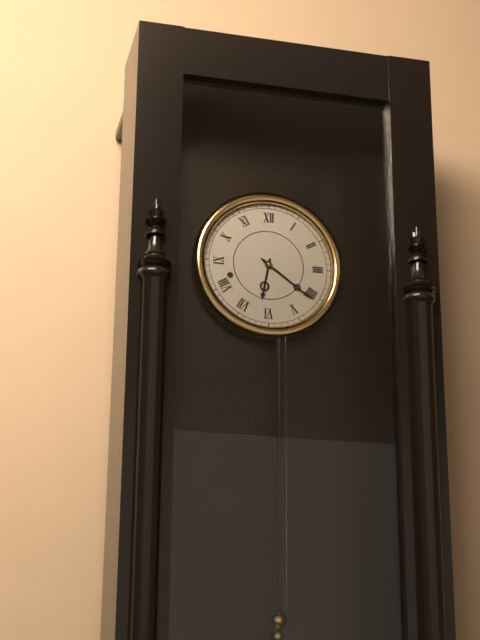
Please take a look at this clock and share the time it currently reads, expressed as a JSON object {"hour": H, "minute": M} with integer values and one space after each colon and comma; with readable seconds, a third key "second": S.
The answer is {"hour": 6, "minute": 21}
